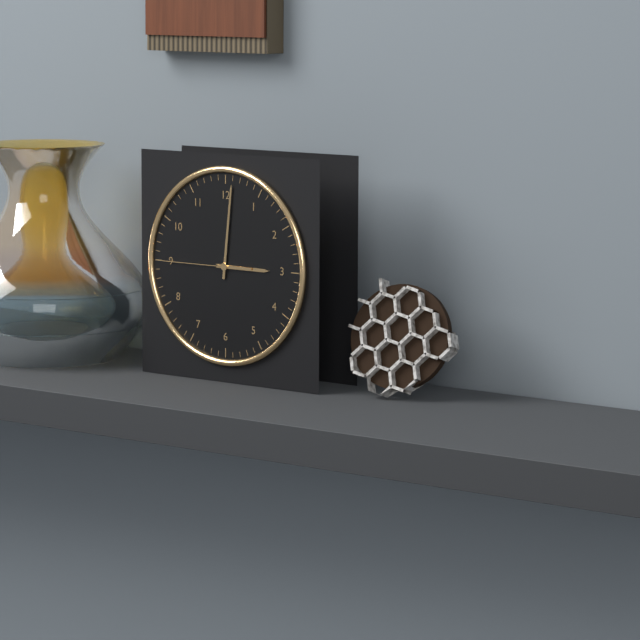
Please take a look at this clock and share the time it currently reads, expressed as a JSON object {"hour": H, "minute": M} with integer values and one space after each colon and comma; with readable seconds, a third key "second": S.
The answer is {"hour": 3, "minute": 1, "second": 45}
